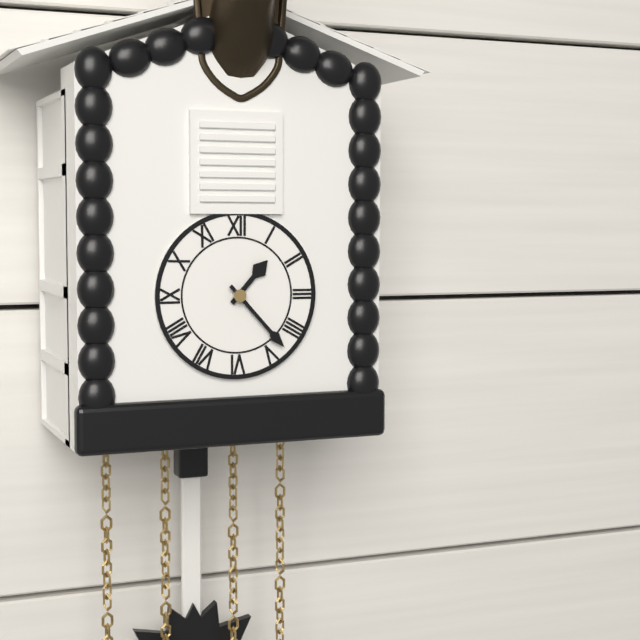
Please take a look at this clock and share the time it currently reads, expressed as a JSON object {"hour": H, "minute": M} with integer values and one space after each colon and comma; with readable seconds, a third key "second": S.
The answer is {"hour": 1, "minute": 23}
